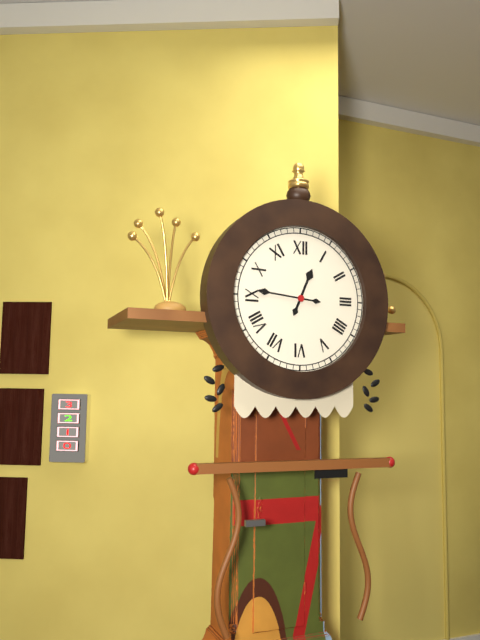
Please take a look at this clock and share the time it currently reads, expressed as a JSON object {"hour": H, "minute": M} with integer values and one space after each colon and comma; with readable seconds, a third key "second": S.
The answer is {"hour": 12, "minute": 46}
